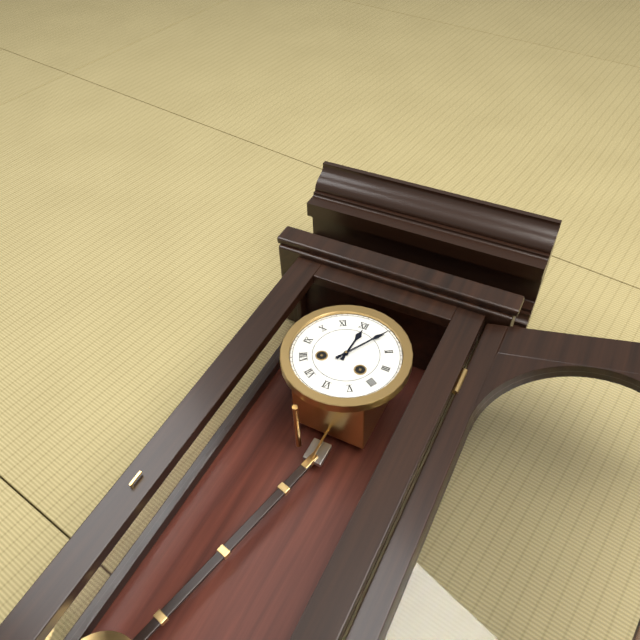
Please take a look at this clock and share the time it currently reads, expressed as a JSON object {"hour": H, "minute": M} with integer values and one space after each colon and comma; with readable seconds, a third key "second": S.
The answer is {"hour": 12, "minute": 5}
